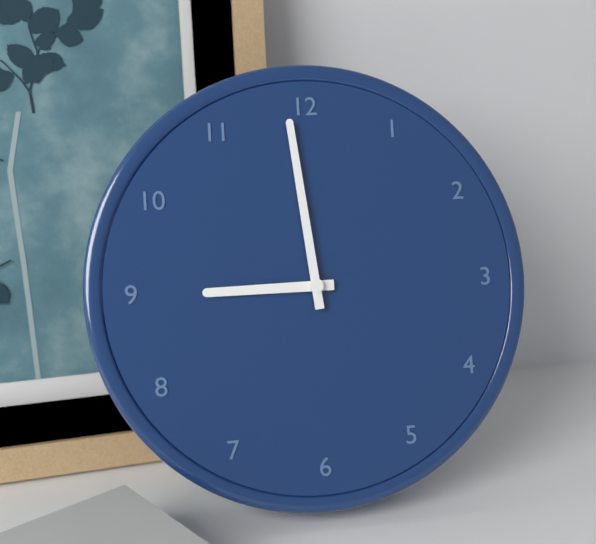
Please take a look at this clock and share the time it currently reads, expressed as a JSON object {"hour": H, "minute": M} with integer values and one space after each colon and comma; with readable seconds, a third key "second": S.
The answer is {"hour": 8, "minute": 59}
